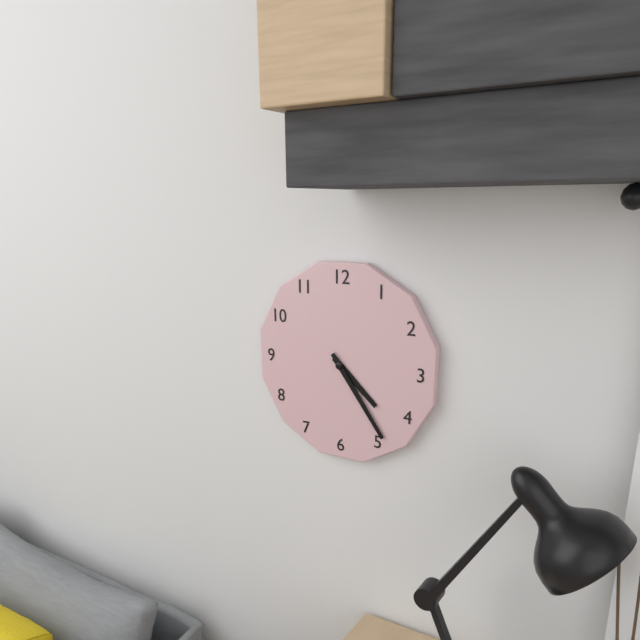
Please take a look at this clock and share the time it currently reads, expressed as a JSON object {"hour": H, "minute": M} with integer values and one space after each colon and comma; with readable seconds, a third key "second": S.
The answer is {"hour": 4, "minute": 24}
